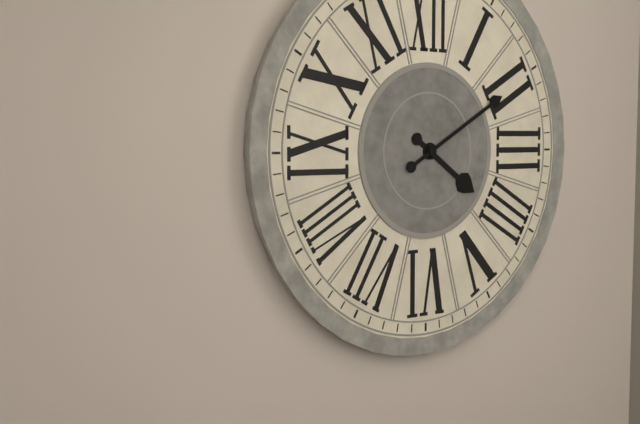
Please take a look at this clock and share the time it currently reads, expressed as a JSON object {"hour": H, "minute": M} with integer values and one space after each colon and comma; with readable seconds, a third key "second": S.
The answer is {"hour": 4, "minute": 10}
